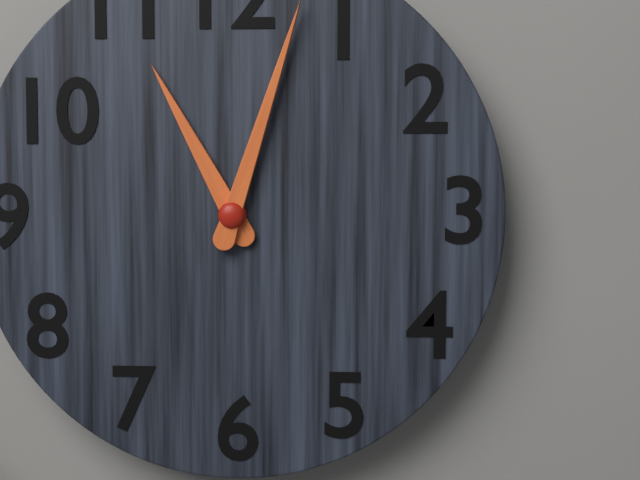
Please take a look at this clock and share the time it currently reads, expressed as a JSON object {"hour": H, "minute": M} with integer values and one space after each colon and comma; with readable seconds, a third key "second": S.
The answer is {"hour": 11, "minute": 3}
